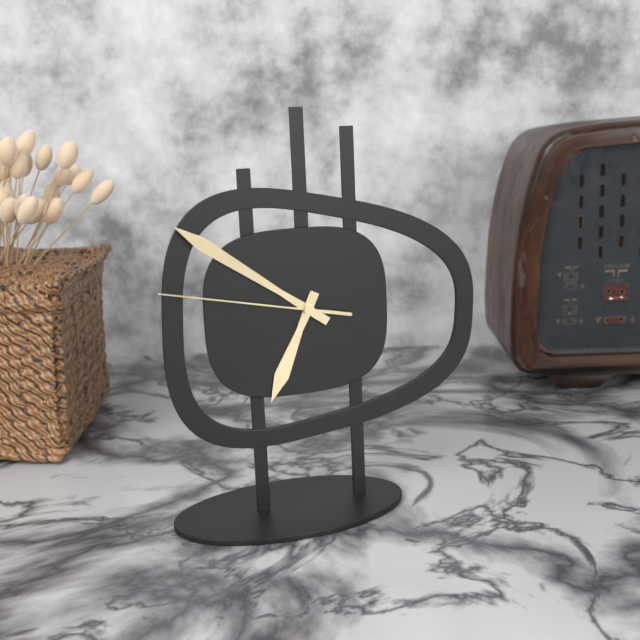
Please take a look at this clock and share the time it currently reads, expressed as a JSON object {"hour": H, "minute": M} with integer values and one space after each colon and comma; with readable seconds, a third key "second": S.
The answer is {"hour": 6, "minute": 51, "second": 47}
